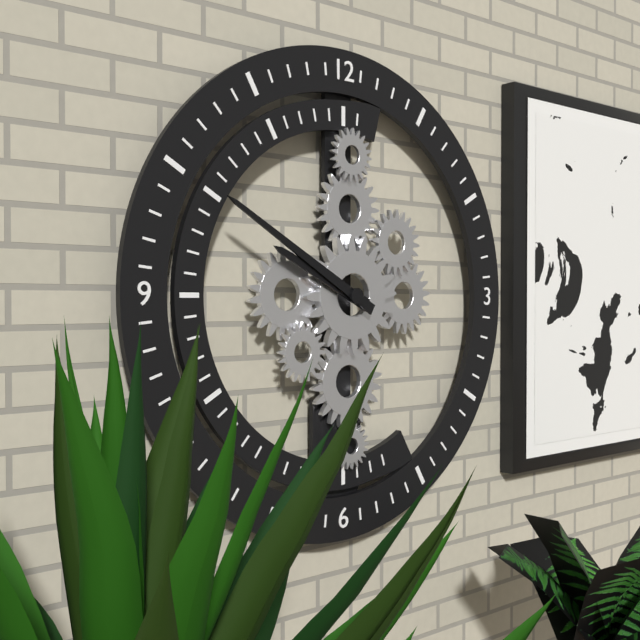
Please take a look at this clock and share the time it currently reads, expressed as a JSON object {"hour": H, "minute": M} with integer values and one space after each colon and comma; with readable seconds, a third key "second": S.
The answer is {"hour": 9, "minute": 50}
